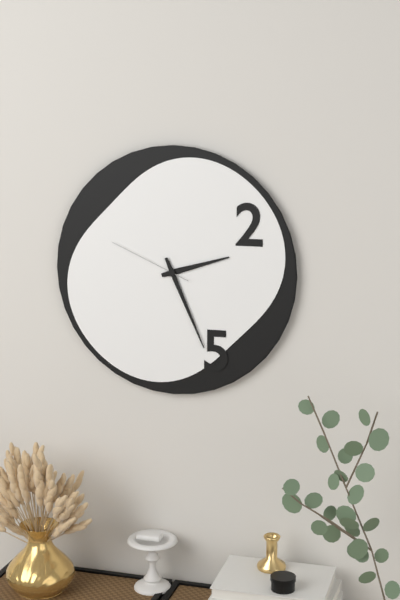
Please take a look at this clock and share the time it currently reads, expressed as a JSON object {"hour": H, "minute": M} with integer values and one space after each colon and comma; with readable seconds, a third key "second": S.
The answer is {"hour": 2, "minute": 26, "second": 49}
